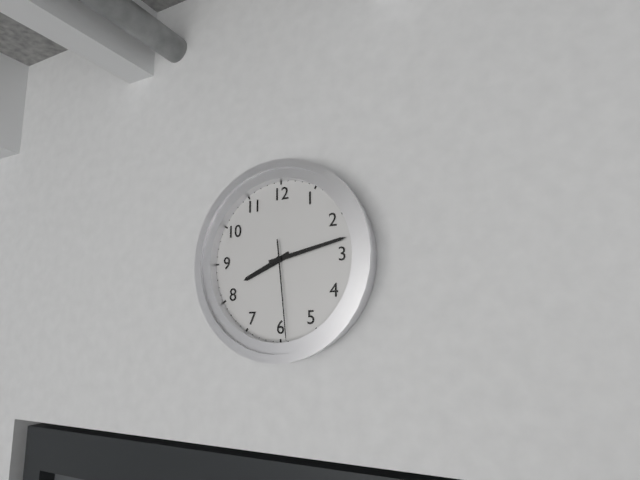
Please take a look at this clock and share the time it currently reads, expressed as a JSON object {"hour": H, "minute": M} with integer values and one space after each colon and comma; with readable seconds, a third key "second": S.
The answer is {"hour": 8, "minute": 13, "second": 29}
